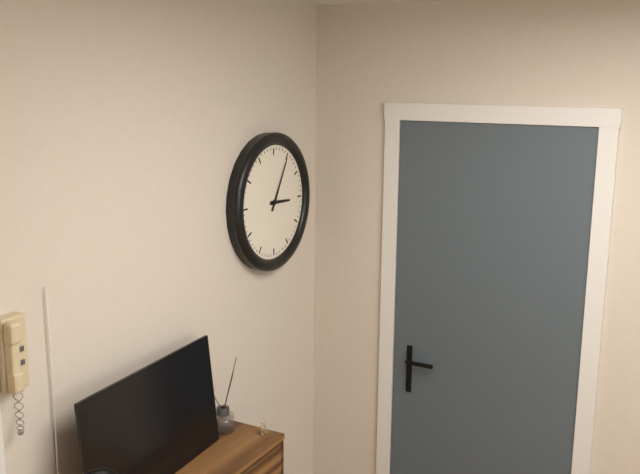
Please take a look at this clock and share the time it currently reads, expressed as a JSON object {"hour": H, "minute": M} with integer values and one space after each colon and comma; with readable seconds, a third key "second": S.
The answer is {"hour": 3, "minute": 5}
